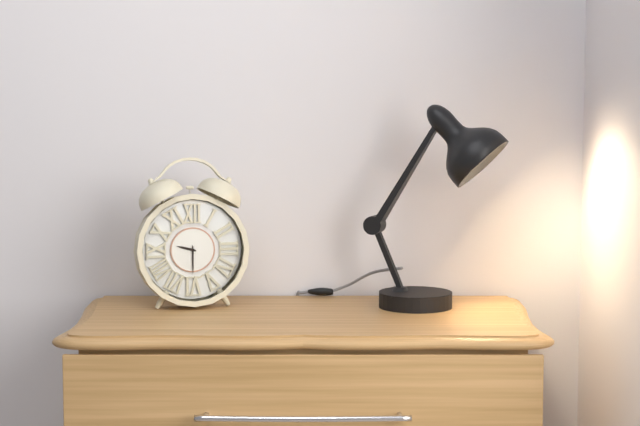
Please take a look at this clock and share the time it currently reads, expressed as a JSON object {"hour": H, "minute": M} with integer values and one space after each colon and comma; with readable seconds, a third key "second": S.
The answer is {"hour": 9, "minute": 30}
